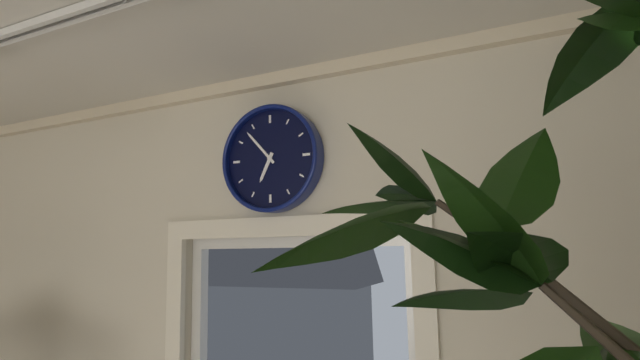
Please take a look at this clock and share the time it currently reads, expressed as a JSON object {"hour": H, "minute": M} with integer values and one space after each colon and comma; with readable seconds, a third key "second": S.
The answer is {"hour": 6, "minute": 53}
